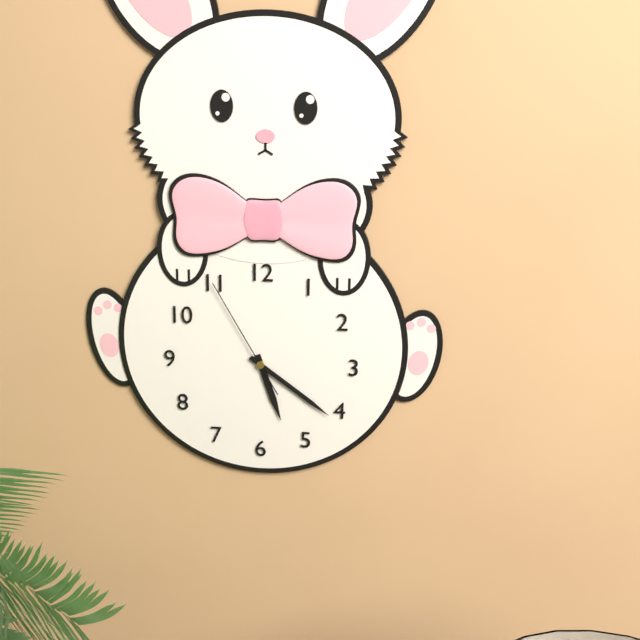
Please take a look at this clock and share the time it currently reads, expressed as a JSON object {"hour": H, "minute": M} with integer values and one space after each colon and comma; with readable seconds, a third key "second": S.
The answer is {"hour": 5, "minute": 21, "second": 55}
